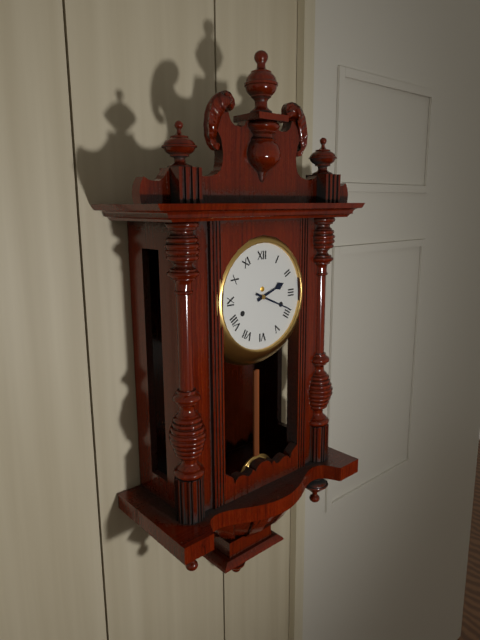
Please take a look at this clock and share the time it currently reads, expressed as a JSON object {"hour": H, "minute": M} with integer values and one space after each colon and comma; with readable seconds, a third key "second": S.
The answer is {"hour": 2, "minute": 19}
